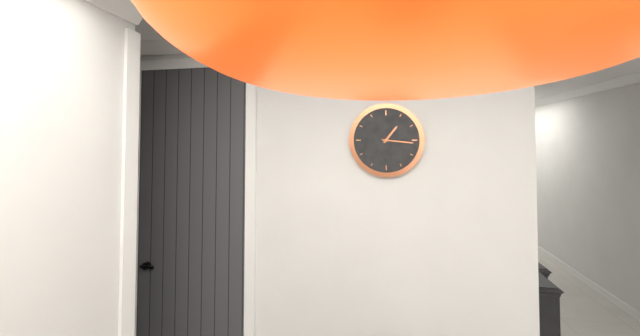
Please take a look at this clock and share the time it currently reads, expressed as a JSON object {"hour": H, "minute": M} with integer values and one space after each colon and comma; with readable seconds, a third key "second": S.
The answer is {"hour": 1, "minute": 16}
